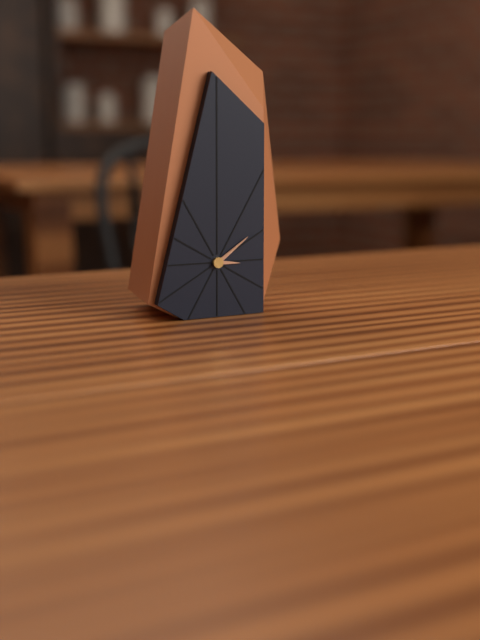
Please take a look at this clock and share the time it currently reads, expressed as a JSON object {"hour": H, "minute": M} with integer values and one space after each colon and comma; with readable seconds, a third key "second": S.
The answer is {"hour": 3, "minute": 9}
